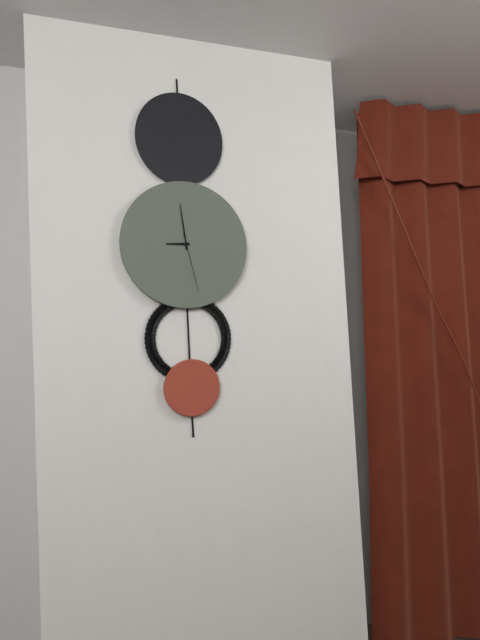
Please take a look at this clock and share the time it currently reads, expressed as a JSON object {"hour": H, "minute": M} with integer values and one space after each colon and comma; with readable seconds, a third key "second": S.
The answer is {"hour": 8, "minute": 59, "second": 28}
